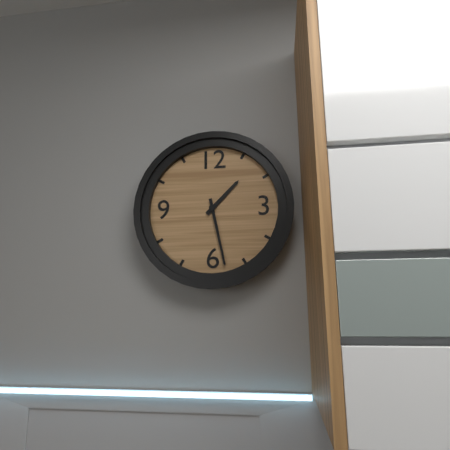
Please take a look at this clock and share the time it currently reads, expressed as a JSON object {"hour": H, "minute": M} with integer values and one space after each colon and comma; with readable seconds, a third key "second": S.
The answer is {"hour": 1, "minute": 28}
